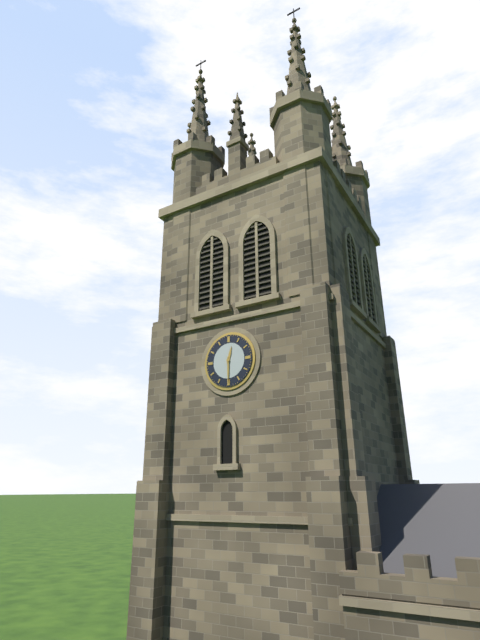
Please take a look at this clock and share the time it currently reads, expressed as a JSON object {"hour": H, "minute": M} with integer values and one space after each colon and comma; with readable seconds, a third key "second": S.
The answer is {"hour": 12, "minute": 30}
